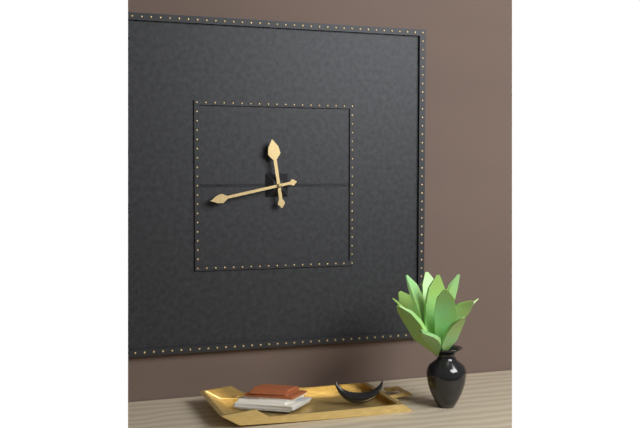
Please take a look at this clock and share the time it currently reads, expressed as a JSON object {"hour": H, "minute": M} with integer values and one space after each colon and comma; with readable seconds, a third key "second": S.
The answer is {"hour": 11, "minute": 43}
